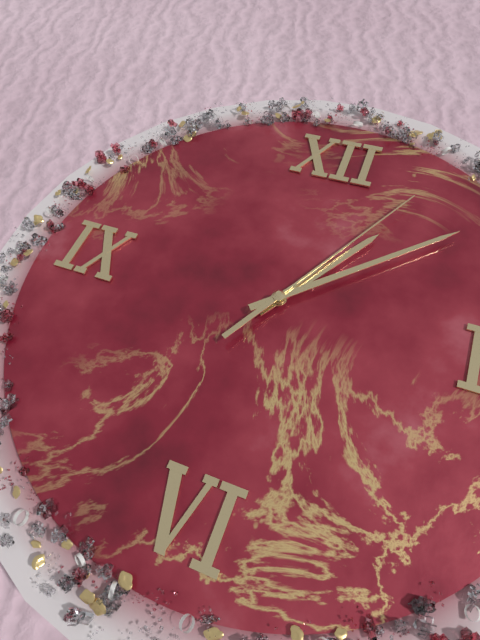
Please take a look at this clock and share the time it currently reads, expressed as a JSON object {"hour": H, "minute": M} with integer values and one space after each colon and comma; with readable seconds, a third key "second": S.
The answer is {"hour": 1, "minute": 8, "second": 5}
